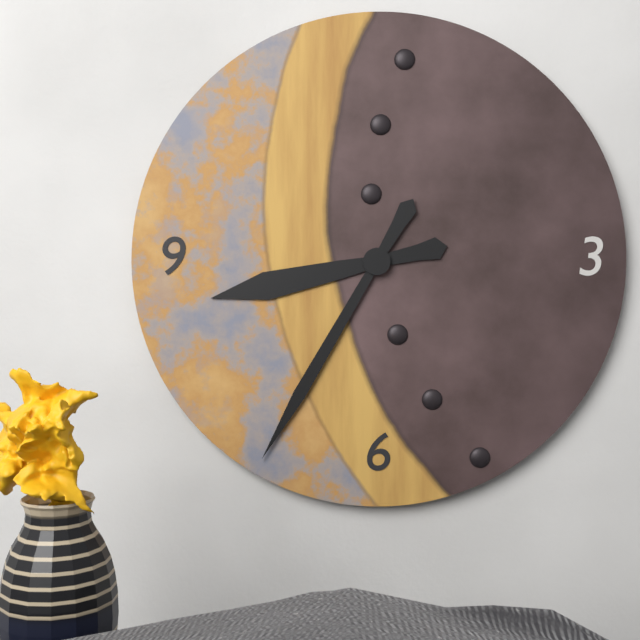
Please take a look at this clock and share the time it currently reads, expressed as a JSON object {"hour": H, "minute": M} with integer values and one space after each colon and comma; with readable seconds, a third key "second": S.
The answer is {"hour": 8, "minute": 35}
